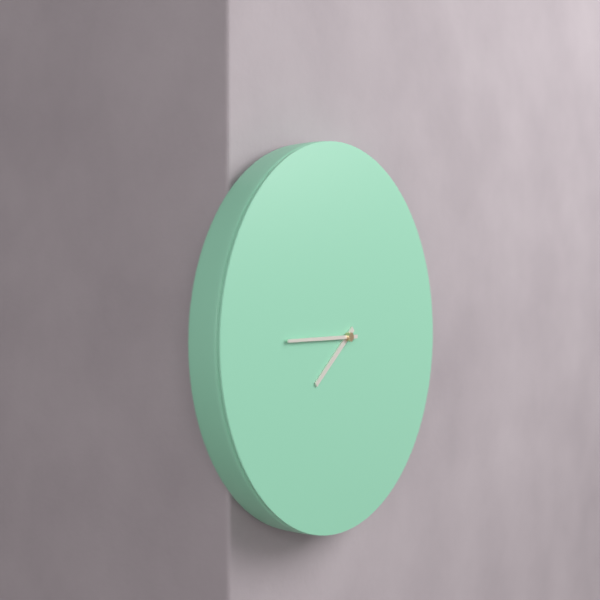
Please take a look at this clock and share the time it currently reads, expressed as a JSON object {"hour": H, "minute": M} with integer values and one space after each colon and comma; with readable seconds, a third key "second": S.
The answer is {"hour": 7, "minute": 45}
